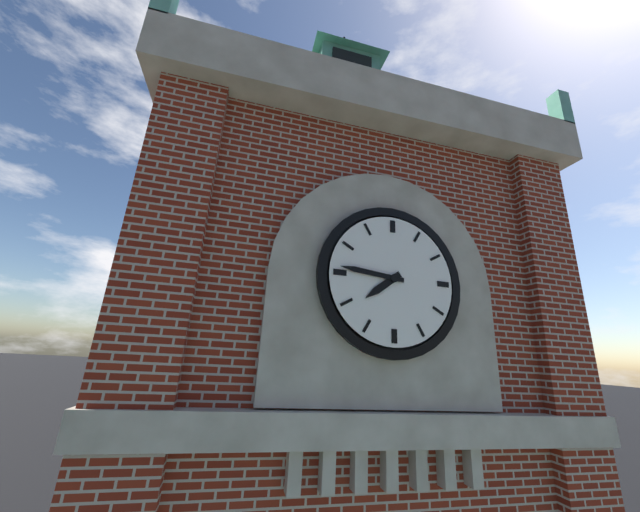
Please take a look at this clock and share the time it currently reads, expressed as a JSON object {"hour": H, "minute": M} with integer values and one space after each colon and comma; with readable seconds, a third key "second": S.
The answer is {"hour": 7, "minute": 46}
